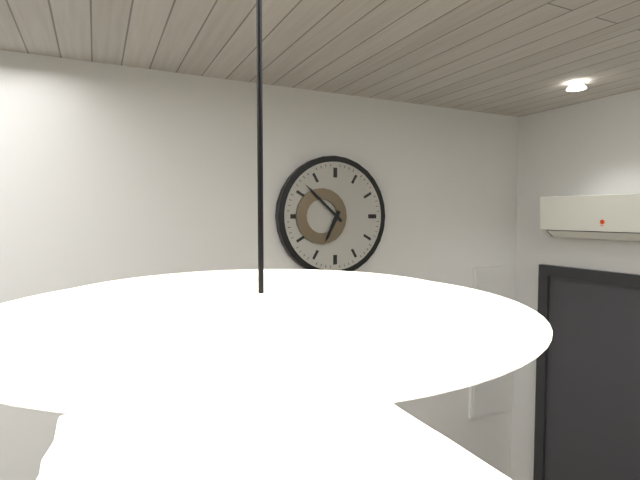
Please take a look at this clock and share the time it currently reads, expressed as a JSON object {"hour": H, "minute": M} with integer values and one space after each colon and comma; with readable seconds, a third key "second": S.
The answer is {"hour": 6, "minute": 52}
